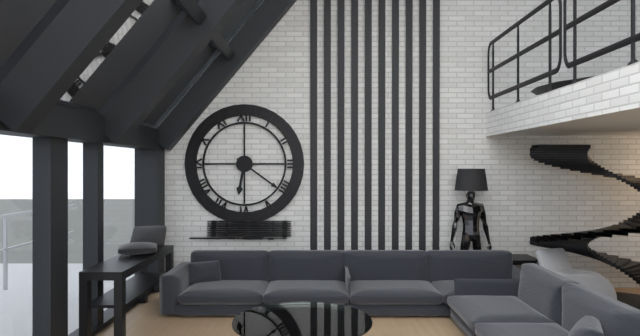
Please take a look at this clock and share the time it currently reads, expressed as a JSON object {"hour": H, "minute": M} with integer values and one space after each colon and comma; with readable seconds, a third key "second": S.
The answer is {"hour": 6, "minute": 21}
